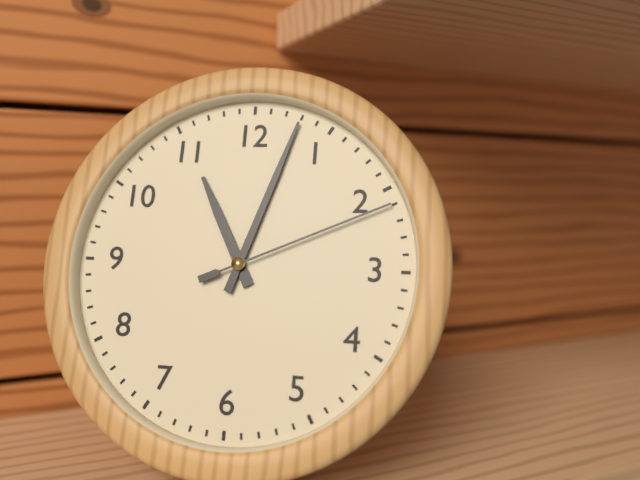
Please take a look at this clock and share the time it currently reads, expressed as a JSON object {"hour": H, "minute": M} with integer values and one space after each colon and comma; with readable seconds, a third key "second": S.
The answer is {"hour": 11, "minute": 3, "second": 11}
